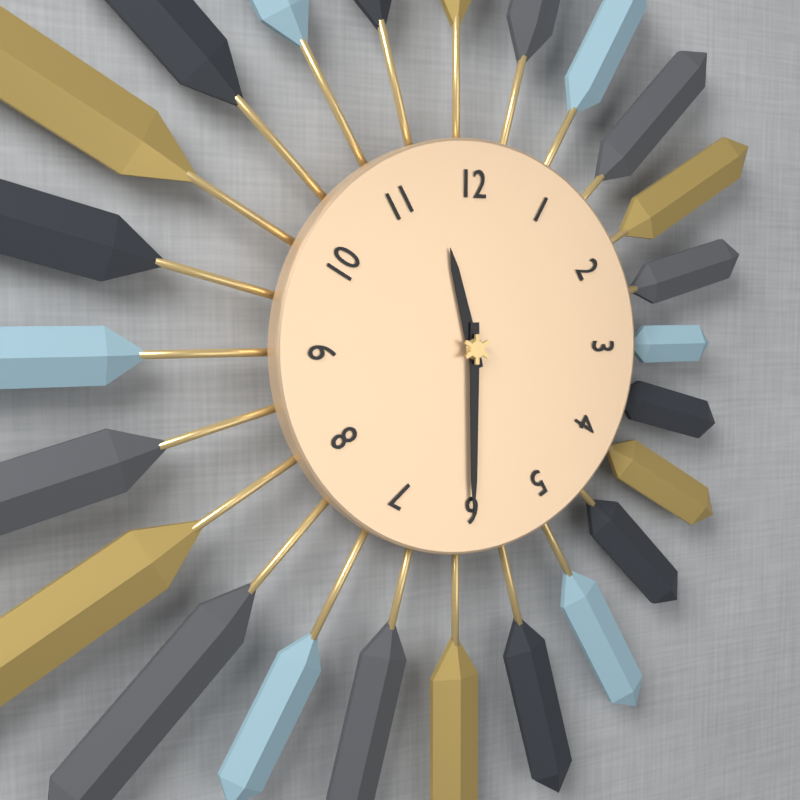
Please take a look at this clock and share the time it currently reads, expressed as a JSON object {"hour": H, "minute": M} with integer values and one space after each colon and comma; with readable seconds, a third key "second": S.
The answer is {"hour": 11, "minute": 30}
